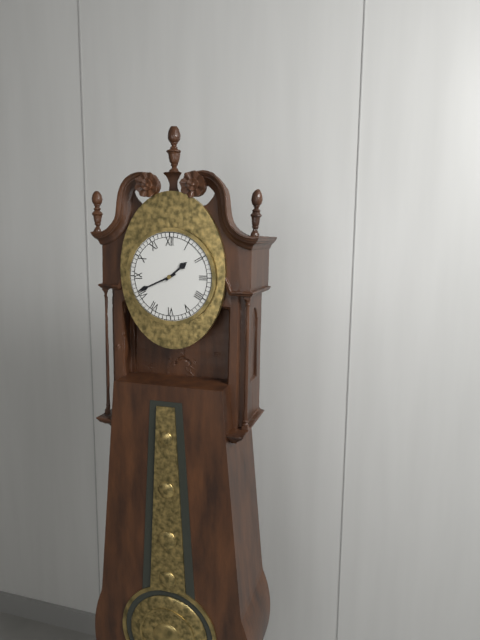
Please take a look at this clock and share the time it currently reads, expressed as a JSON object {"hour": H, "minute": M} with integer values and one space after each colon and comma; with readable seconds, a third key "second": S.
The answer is {"hour": 1, "minute": 41}
